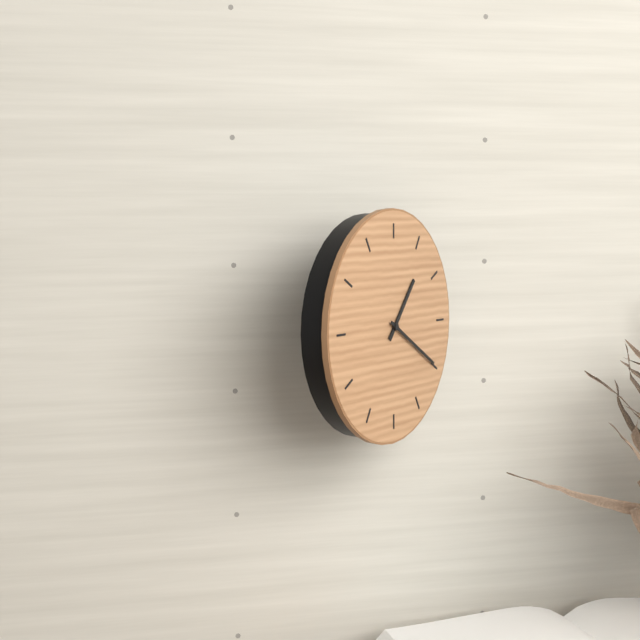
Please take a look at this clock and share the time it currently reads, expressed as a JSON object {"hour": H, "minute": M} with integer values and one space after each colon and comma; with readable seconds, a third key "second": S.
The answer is {"hour": 1, "minute": 20}
